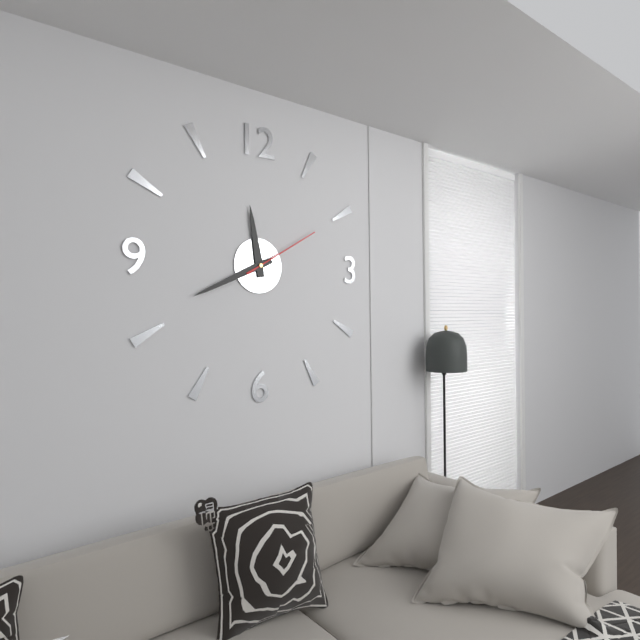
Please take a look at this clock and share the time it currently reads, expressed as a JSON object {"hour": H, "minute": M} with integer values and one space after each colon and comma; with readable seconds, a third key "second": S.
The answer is {"hour": 11, "minute": 41, "second": 10}
